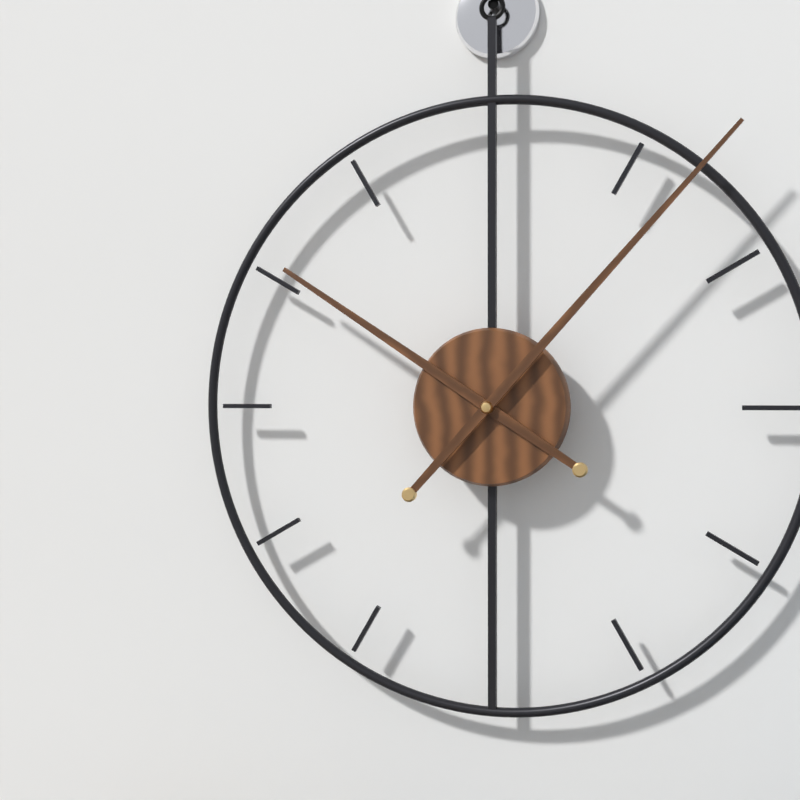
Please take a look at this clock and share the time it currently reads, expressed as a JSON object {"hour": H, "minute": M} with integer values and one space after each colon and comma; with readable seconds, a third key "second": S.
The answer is {"hour": 10, "minute": 7}
